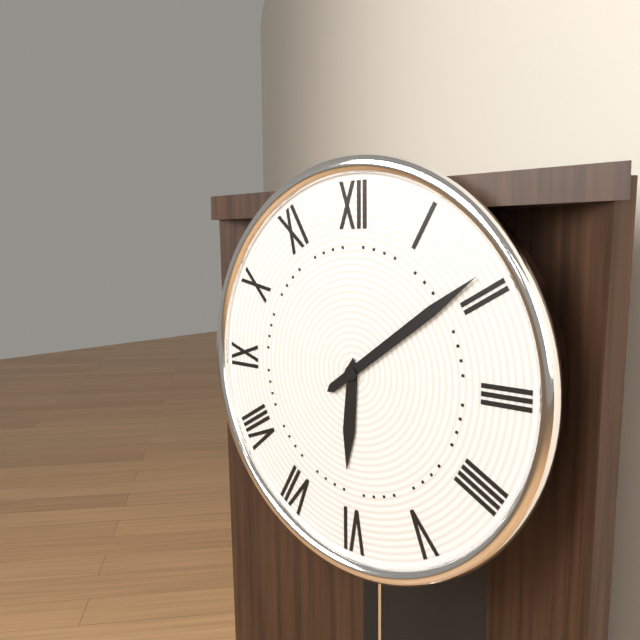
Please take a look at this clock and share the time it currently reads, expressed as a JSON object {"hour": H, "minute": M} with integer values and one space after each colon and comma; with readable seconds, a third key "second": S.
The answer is {"hour": 6, "minute": 9}
